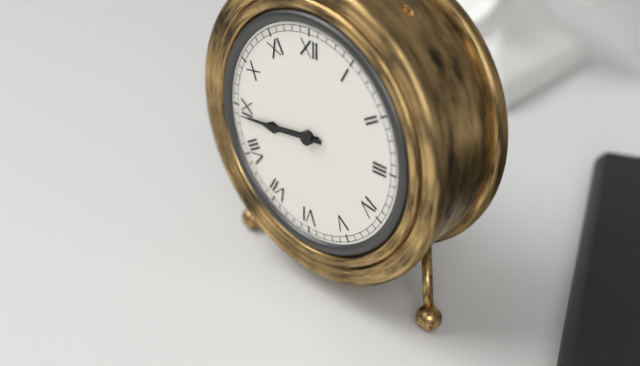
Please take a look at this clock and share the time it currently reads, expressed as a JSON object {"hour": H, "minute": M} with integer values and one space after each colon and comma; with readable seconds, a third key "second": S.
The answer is {"hour": 8, "minute": 44}
